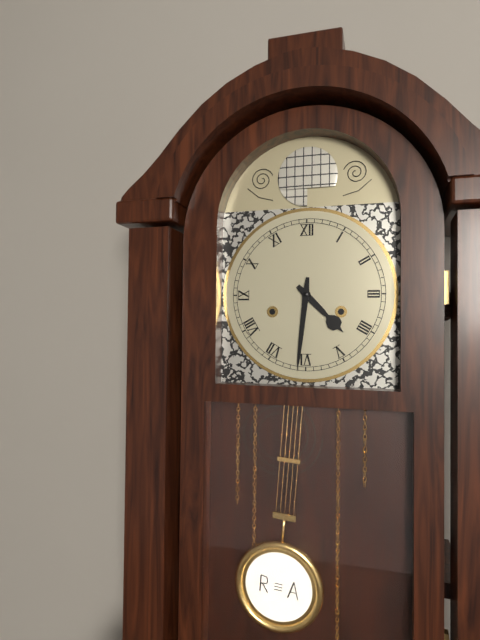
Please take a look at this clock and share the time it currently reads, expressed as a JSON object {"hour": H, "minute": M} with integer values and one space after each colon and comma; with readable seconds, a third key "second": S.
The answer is {"hour": 4, "minute": 31}
